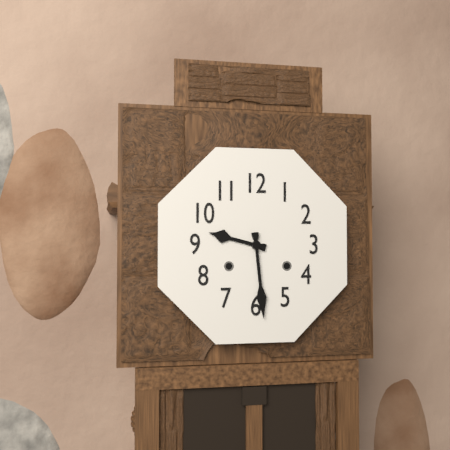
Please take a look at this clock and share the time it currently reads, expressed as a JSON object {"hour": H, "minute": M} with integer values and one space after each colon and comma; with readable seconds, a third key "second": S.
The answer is {"hour": 9, "minute": 29}
